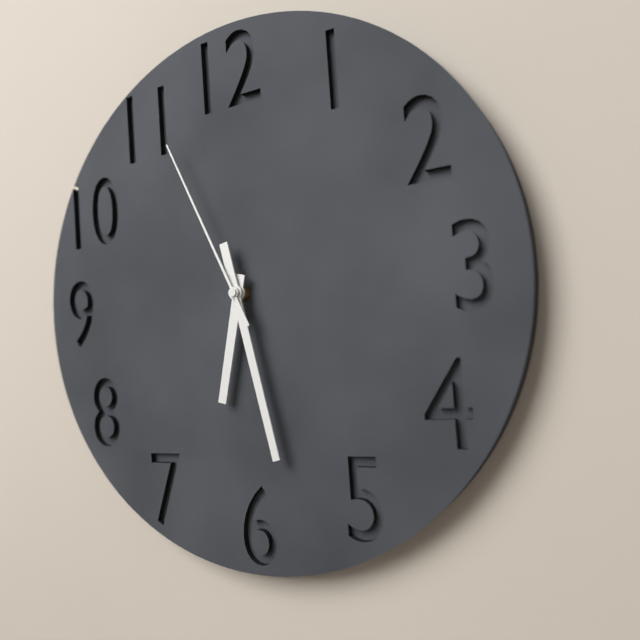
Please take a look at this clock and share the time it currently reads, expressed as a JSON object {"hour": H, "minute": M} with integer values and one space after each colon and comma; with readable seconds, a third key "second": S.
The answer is {"hour": 6, "minute": 28, "second": 56}
